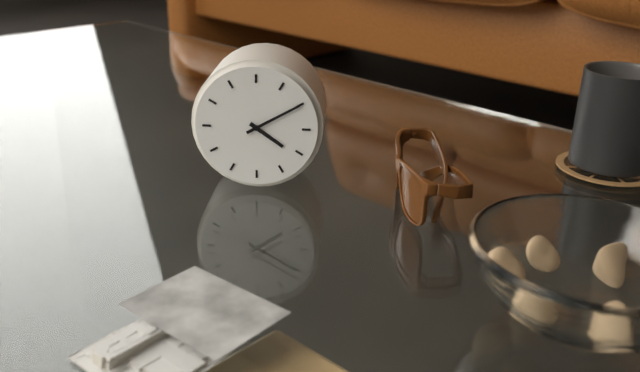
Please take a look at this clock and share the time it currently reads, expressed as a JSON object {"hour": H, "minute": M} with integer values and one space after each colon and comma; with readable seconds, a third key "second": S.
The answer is {"hour": 4, "minute": 10}
